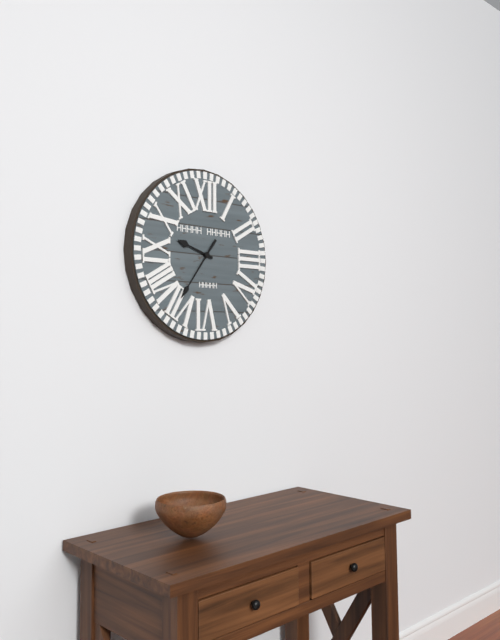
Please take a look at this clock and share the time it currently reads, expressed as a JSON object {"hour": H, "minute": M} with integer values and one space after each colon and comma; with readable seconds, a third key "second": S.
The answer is {"hour": 9, "minute": 36}
